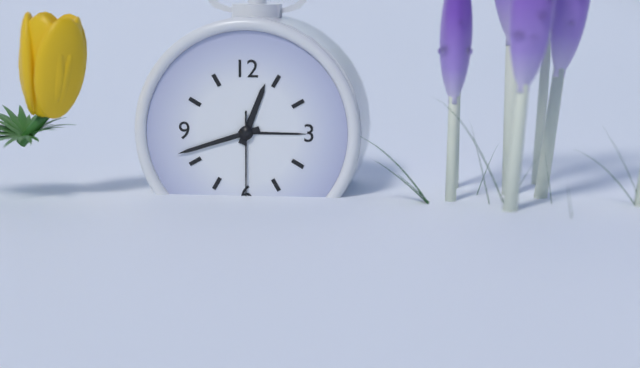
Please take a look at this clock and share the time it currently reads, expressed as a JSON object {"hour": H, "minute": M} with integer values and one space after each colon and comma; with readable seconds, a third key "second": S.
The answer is {"hour": 12, "minute": 42, "second": 30}
